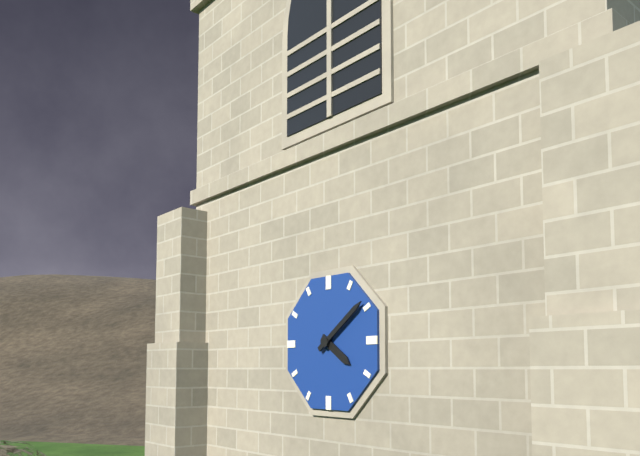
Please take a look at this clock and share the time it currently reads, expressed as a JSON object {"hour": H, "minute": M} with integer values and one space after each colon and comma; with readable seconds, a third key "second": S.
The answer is {"hour": 4, "minute": 9}
